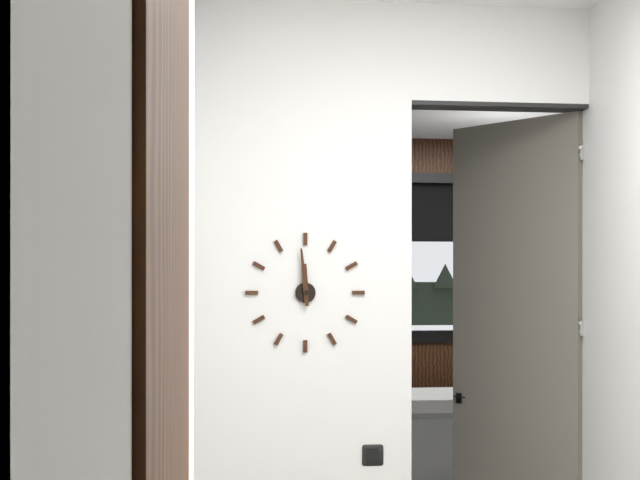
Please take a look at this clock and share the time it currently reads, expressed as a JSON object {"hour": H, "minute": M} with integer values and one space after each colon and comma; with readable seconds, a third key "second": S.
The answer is {"hour": 11, "minute": 59}
